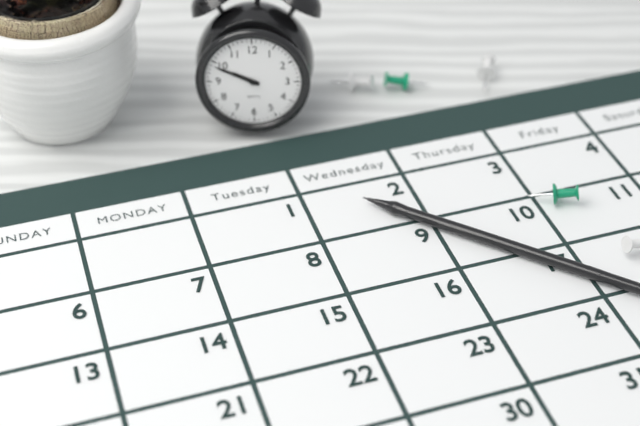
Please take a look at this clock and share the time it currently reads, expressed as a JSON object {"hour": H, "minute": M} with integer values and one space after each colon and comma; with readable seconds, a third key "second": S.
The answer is {"hour": 9, "minute": 49}
